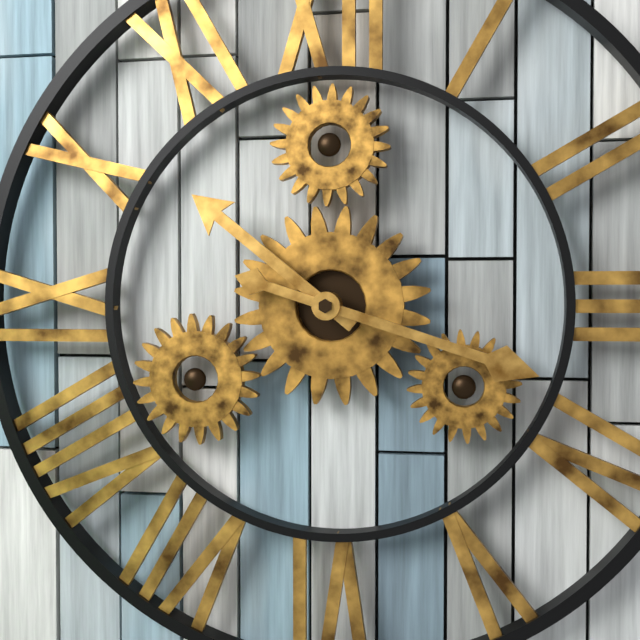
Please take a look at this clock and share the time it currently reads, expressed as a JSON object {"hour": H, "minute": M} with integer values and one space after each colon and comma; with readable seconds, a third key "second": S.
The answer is {"hour": 10, "minute": 18}
